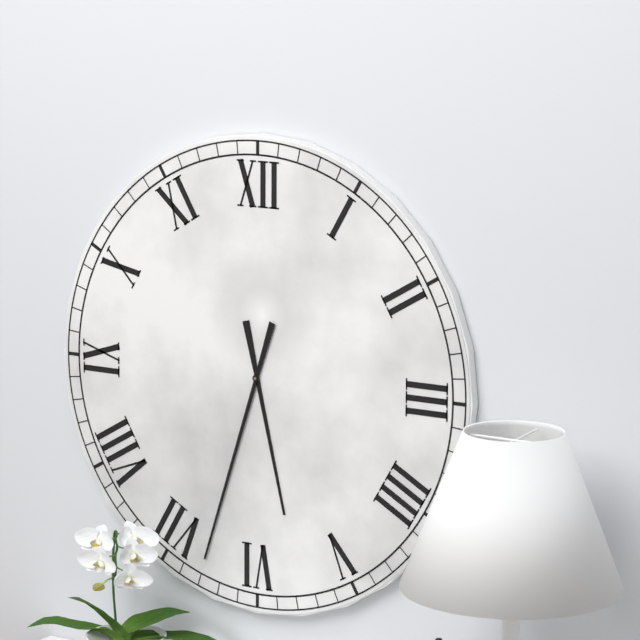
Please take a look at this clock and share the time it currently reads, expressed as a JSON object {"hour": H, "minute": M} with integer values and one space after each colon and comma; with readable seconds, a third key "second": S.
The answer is {"hour": 5, "minute": 33}
